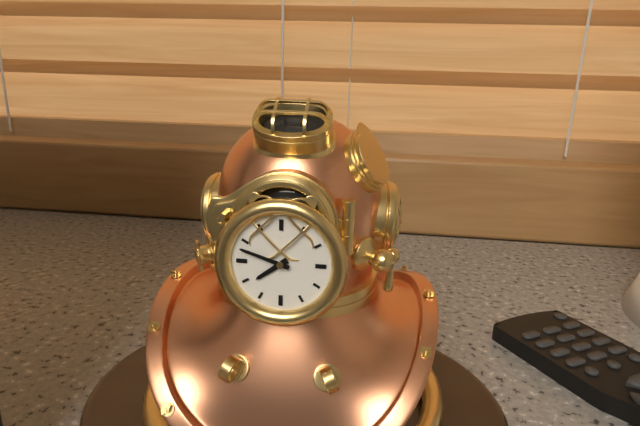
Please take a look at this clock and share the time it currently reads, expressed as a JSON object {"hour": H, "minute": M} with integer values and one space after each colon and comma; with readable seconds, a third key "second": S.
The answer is {"hour": 7, "minute": 48}
